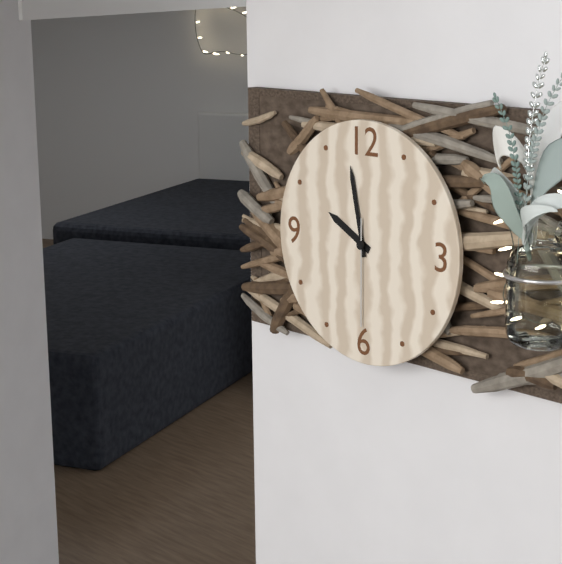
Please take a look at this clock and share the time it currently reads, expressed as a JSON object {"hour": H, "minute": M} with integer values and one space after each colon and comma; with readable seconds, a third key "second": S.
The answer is {"hour": 9, "minute": 58, "second": 30}
